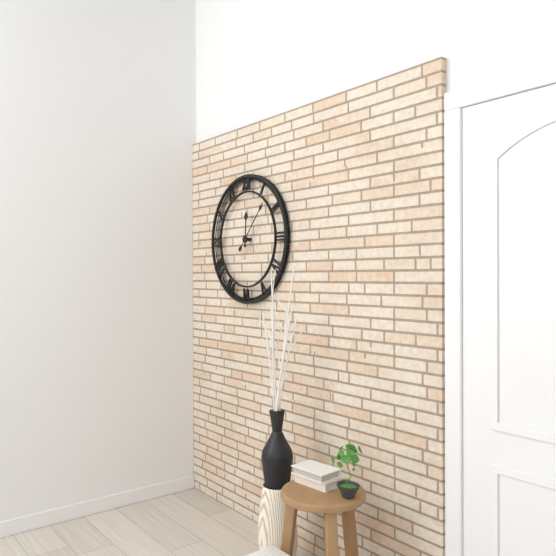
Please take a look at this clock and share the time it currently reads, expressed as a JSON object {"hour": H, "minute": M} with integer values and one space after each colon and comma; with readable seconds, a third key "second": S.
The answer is {"hour": 12, "minute": 7}
